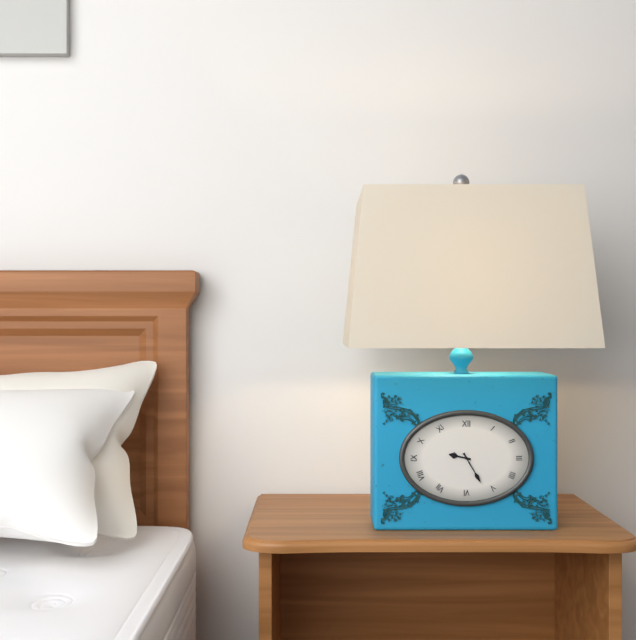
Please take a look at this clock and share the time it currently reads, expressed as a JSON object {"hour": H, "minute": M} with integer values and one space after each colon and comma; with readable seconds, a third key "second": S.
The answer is {"hour": 9, "minute": 25}
